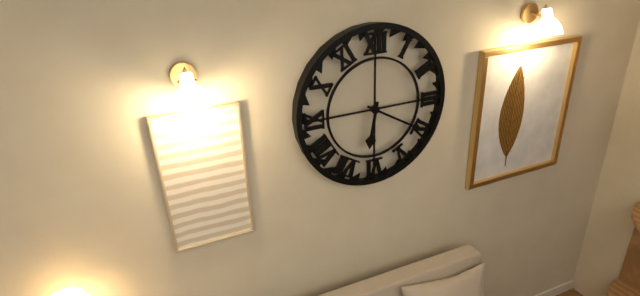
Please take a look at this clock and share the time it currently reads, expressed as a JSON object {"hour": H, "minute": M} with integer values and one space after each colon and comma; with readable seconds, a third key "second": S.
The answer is {"hour": 6, "minute": 20}
